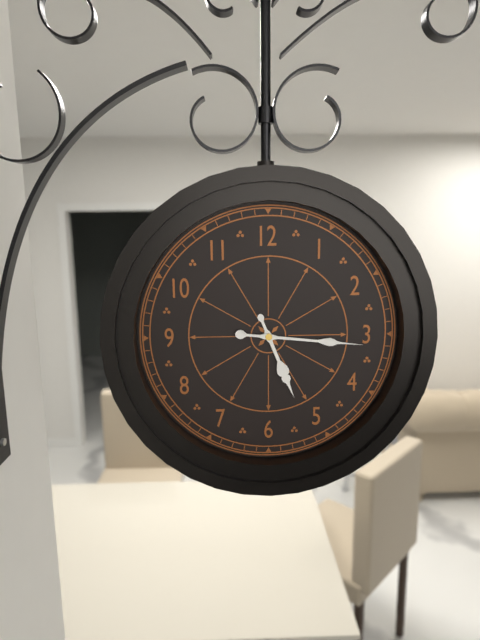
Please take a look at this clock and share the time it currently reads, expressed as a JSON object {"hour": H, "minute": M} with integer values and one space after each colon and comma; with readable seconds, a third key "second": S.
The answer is {"hour": 5, "minute": 16}
